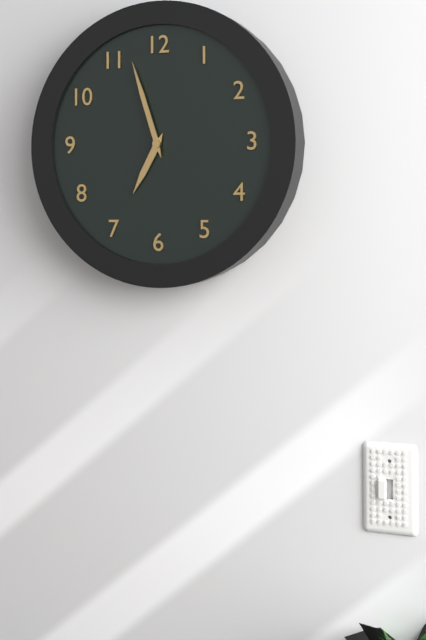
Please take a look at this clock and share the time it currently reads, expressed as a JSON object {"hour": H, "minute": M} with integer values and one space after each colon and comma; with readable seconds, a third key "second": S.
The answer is {"hour": 6, "minute": 57}
